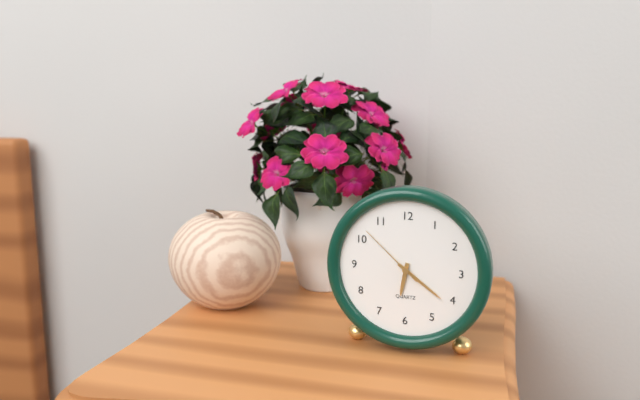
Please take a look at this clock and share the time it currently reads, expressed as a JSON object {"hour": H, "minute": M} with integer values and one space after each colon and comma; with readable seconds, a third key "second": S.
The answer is {"hour": 6, "minute": 21, "second": 52}
